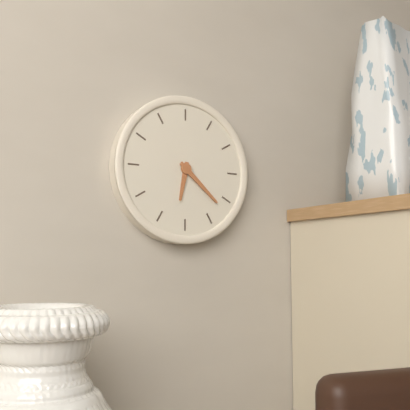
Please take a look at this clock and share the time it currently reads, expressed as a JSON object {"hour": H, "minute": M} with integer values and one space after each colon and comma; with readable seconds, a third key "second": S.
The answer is {"hour": 6, "minute": 22}
